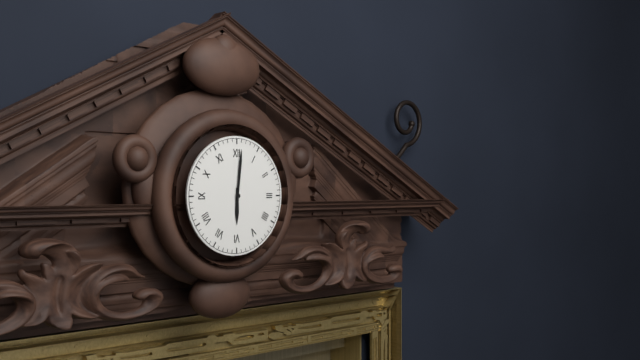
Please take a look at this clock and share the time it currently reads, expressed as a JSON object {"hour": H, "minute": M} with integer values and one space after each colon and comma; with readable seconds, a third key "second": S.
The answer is {"hour": 6, "minute": 1}
